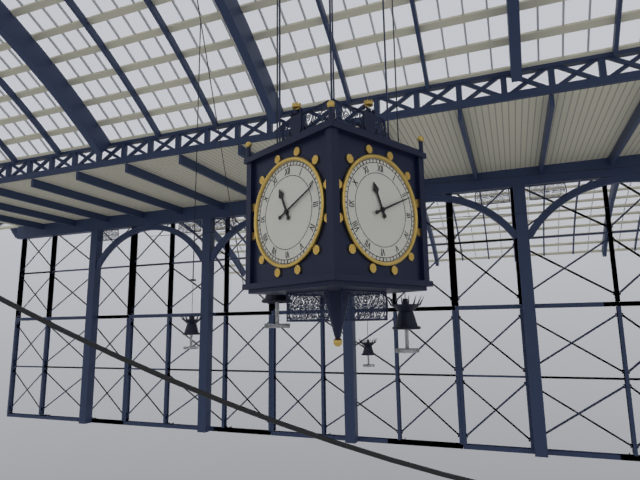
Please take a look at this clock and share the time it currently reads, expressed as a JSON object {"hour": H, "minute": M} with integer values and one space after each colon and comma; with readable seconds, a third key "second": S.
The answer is {"hour": 11, "minute": 11}
